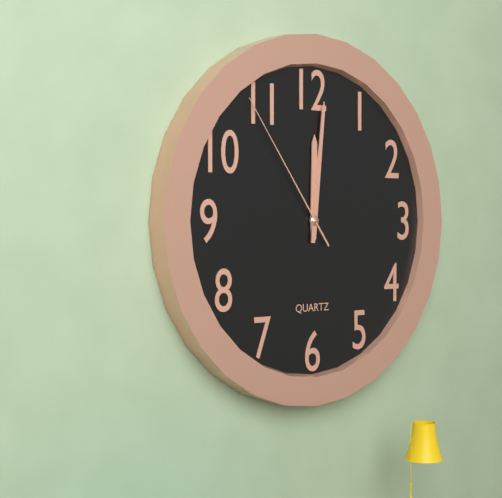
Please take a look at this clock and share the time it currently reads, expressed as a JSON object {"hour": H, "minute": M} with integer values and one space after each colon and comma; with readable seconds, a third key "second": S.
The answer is {"hour": 12, "minute": 1, "second": 54}
